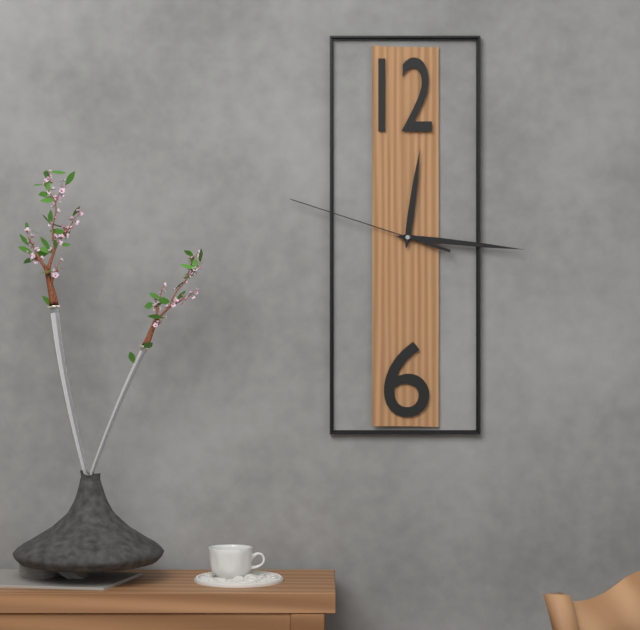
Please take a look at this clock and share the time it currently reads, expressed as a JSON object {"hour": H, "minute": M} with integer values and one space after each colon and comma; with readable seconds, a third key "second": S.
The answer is {"hour": 12, "minute": 16, "second": 48}
